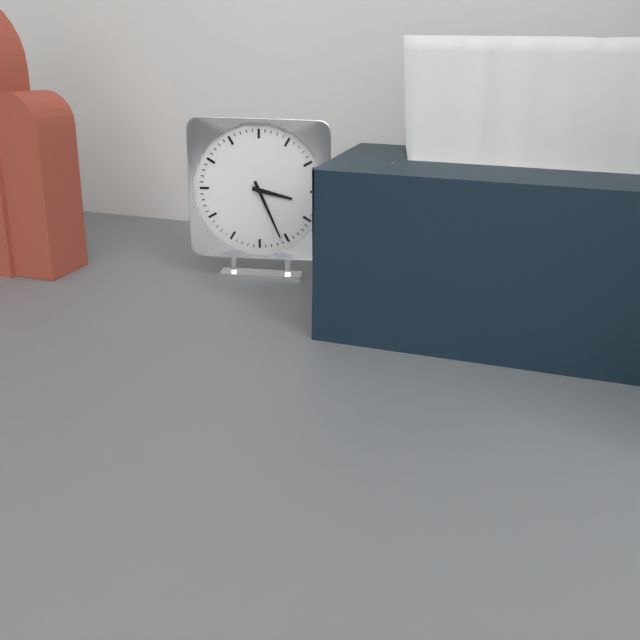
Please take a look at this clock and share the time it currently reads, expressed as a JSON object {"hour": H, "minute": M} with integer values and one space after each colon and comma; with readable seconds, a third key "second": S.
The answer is {"hour": 3, "minute": 26}
